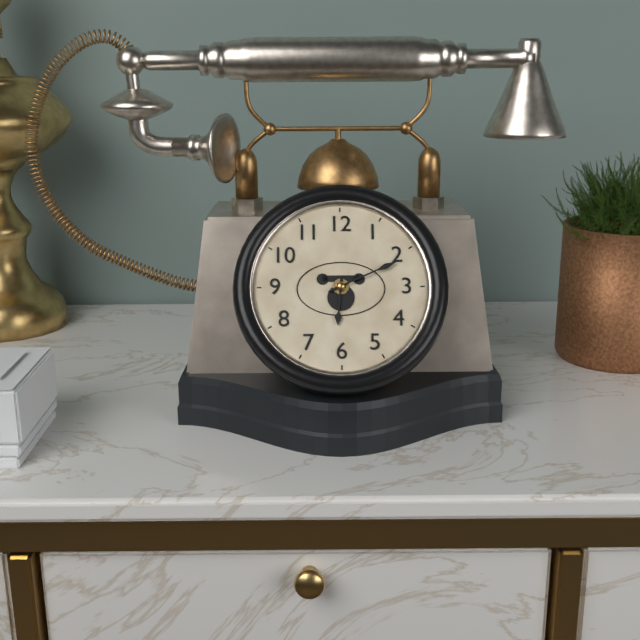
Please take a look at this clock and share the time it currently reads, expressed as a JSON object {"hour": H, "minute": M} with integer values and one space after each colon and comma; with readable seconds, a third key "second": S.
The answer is {"hour": 6, "minute": 11}
